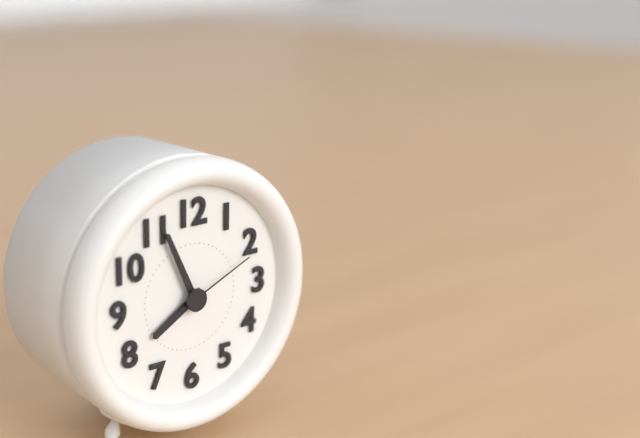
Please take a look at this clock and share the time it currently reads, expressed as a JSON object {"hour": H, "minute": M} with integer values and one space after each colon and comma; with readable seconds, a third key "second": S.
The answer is {"hour": 7, "minute": 56, "second": 11}
